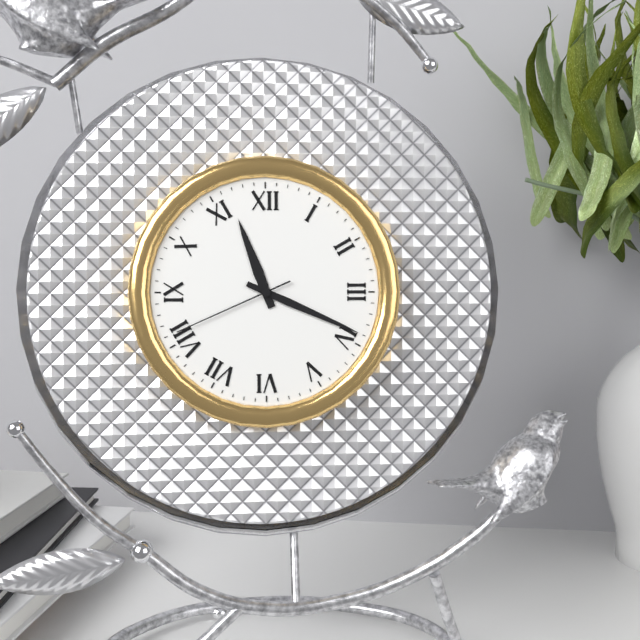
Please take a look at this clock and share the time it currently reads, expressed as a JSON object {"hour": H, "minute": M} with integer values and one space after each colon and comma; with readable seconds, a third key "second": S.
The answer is {"hour": 11, "minute": 19, "second": 41}
